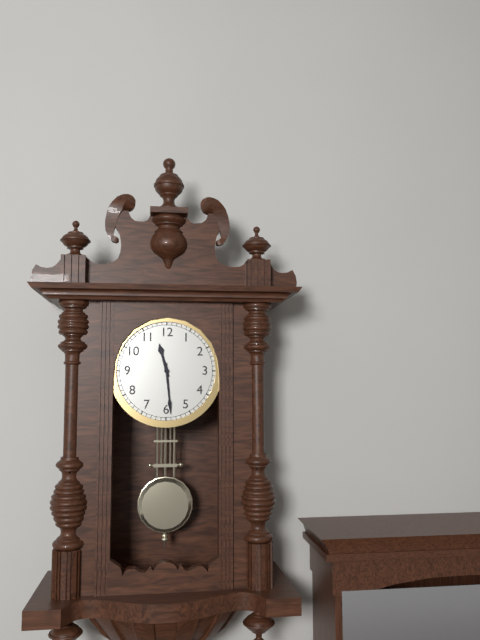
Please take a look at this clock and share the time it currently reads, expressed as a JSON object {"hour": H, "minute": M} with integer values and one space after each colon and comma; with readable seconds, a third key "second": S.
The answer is {"hour": 11, "minute": 29}
